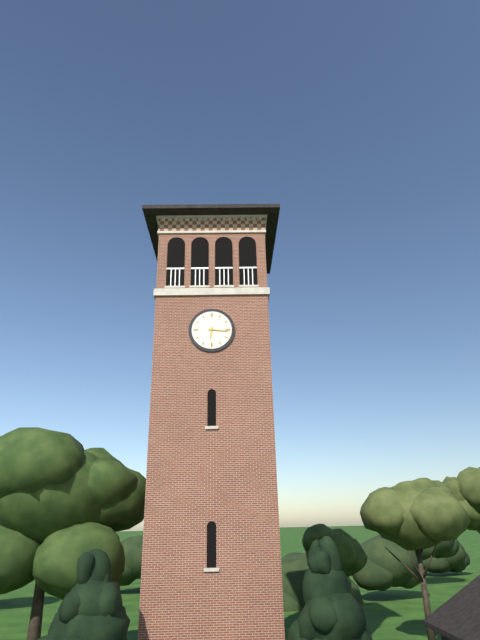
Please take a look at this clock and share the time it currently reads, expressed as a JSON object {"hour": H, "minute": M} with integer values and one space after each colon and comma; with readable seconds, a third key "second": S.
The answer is {"hour": 6, "minute": 16}
